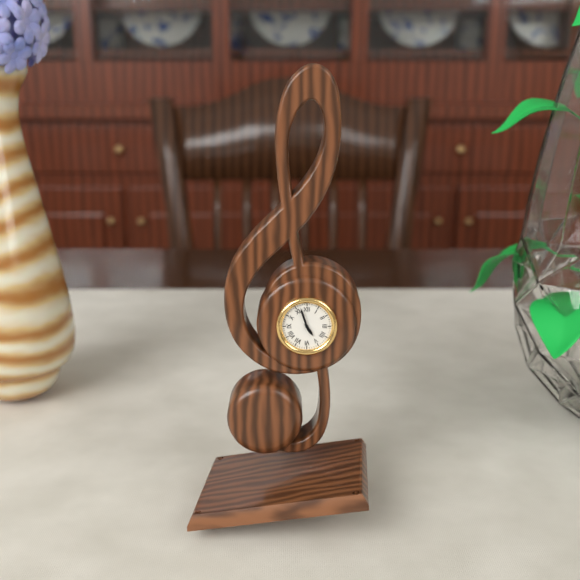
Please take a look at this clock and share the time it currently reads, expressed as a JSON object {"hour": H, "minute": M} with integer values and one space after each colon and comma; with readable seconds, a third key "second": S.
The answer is {"hour": 4, "minute": 57}
